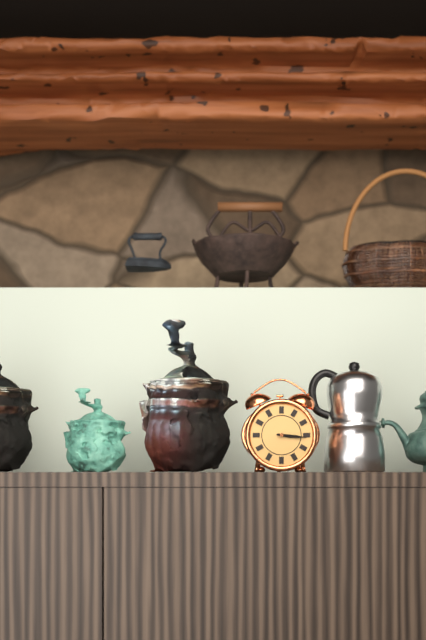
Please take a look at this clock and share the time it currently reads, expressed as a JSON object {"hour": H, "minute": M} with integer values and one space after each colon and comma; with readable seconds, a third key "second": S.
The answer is {"hour": 3, "minute": 16}
